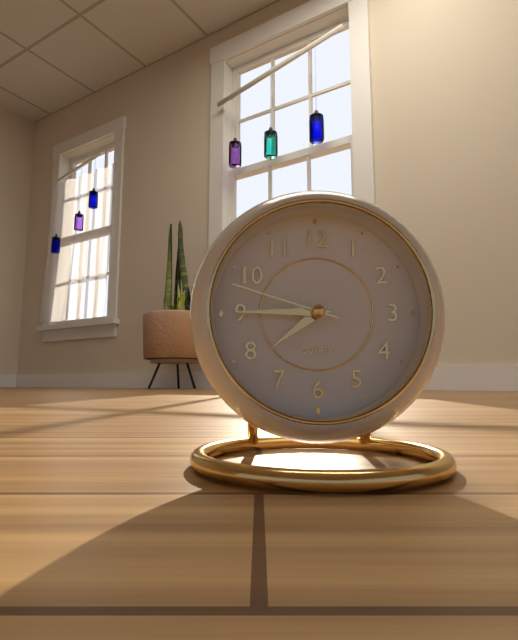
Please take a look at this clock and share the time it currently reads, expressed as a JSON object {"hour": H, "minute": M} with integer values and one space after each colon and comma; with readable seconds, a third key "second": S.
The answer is {"hour": 7, "minute": 45, "second": 48}
